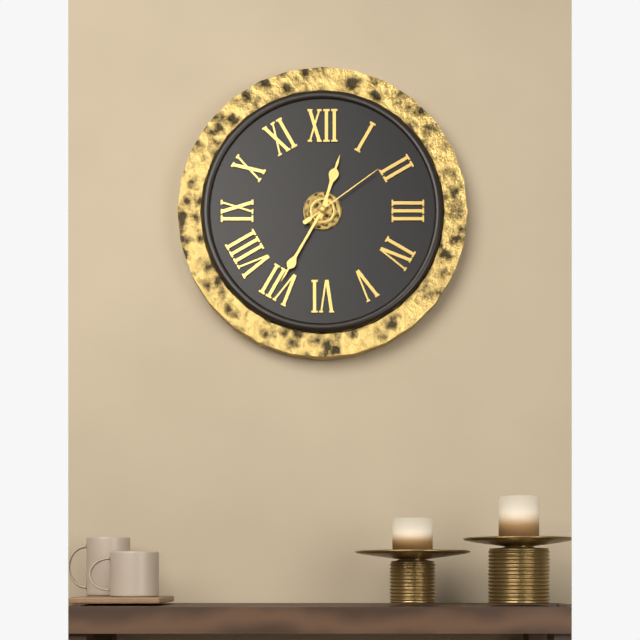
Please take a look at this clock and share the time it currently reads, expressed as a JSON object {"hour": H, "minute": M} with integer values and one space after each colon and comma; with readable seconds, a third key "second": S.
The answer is {"hour": 12, "minute": 35, "second": 9}
